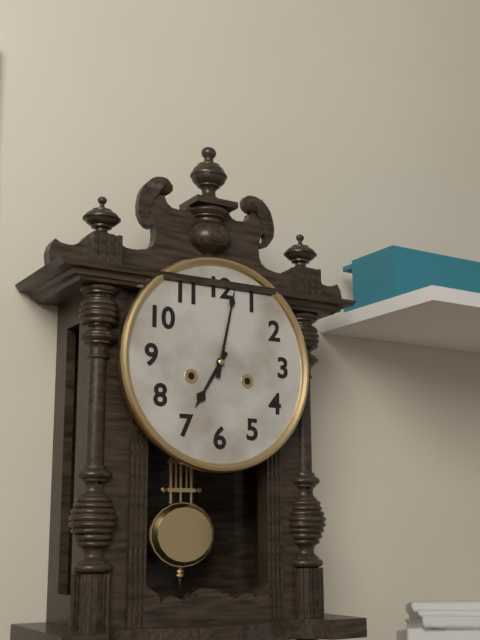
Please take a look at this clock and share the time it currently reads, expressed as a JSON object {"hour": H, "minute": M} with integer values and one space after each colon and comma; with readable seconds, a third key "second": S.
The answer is {"hour": 7, "minute": 2}
